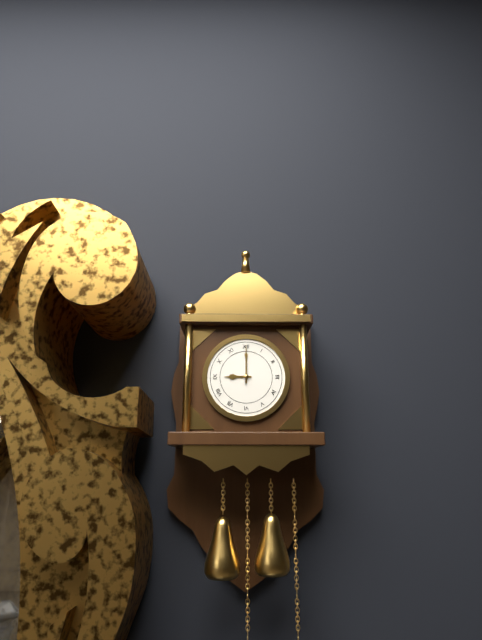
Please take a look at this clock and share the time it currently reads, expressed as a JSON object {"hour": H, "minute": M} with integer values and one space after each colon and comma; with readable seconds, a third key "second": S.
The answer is {"hour": 9, "minute": 0}
